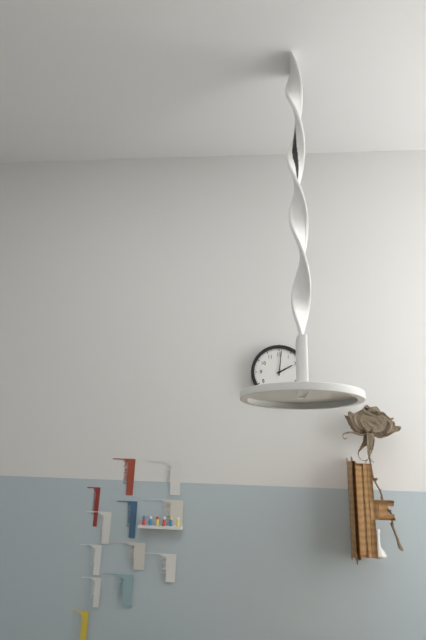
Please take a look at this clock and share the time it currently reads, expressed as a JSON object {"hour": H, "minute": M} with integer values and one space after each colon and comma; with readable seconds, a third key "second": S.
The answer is {"hour": 2, "minute": 1}
